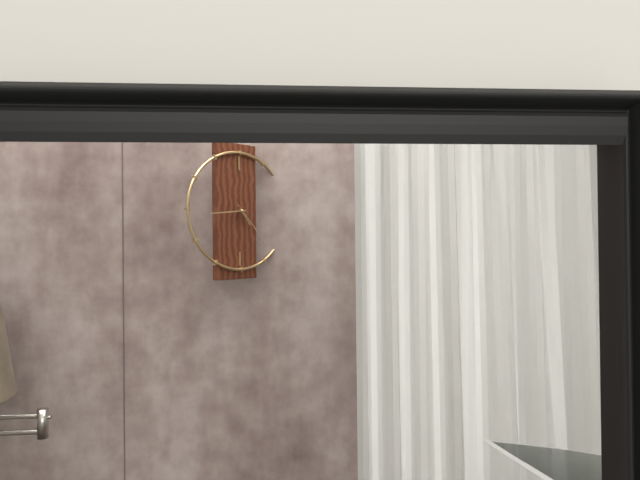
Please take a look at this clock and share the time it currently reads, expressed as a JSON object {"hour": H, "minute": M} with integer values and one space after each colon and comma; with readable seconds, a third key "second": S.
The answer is {"hour": 4, "minute": 44, "second": 23}
